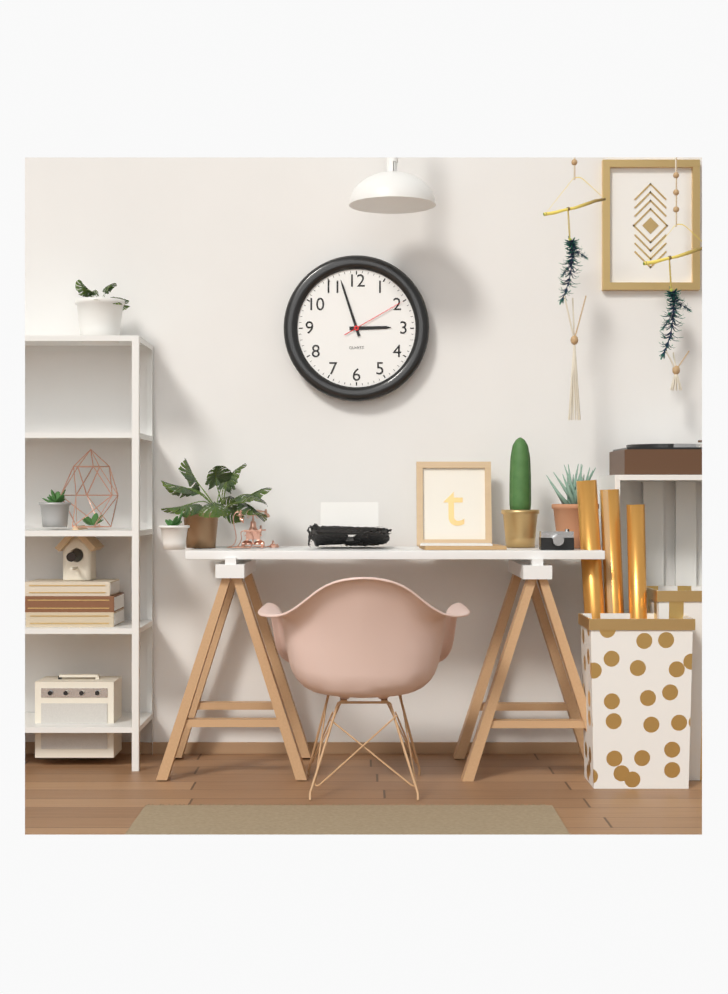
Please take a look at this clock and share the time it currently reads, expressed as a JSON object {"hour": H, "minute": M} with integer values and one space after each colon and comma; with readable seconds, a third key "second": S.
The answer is {"hour": 2, "minute": 57, "second": 10}
